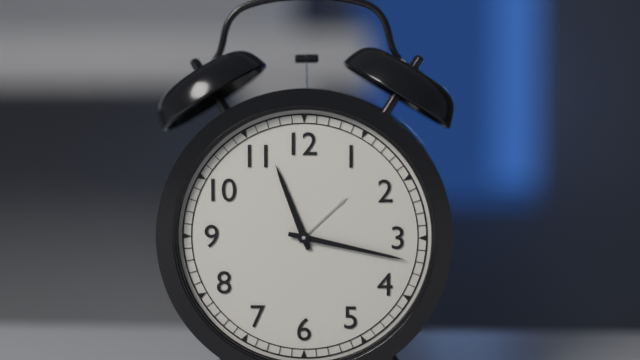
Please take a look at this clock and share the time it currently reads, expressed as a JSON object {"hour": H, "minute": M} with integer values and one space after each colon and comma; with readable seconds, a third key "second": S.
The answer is {"hour": 11, "minute": 17}
